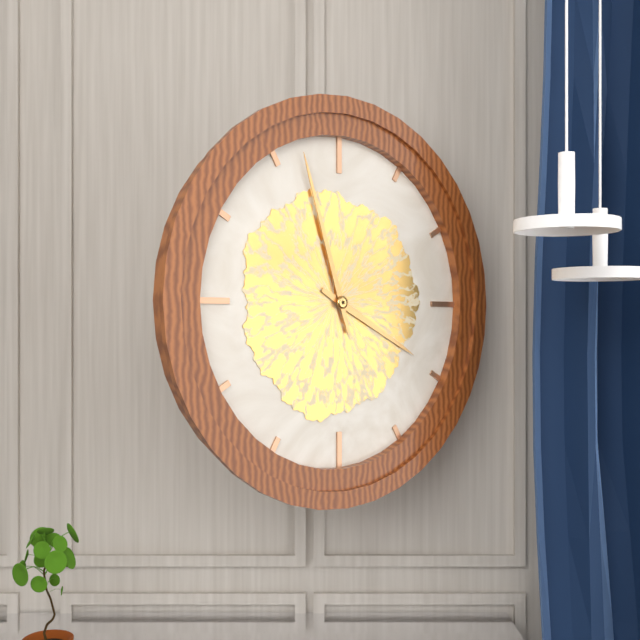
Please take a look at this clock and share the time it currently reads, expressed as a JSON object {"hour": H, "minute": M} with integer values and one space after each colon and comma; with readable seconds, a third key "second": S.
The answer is {"hour": 3, "minute": 57}
